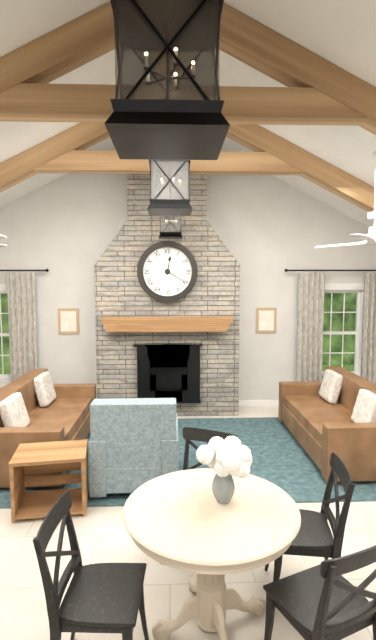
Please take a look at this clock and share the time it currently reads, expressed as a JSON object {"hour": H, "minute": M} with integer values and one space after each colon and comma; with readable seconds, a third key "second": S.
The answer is {"hour": 12, "minute": 20}
